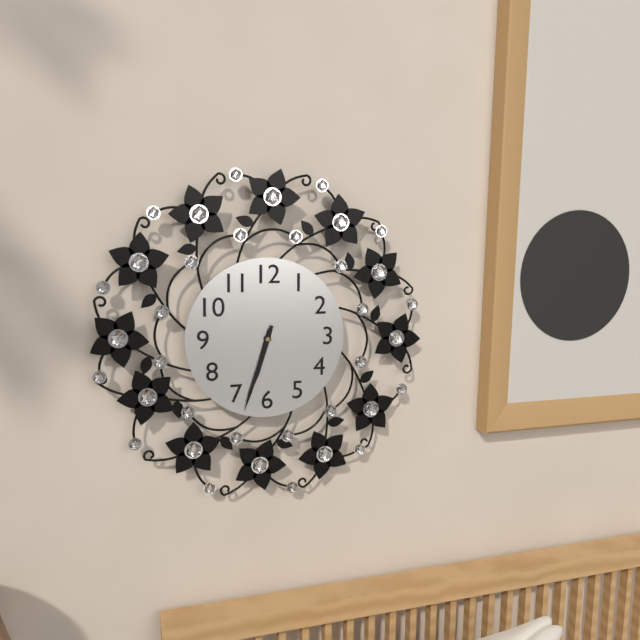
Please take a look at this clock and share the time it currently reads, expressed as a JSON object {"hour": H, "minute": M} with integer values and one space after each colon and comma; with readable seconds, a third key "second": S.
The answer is {"hour": 6, "minute": 33}
